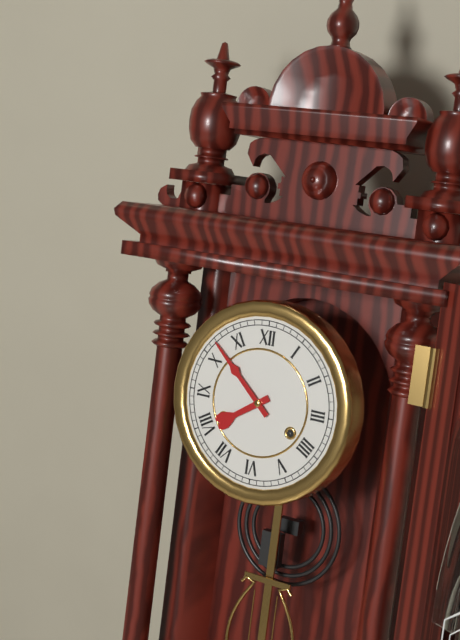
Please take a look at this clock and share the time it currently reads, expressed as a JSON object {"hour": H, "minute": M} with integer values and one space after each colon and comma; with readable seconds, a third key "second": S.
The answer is {"hour": 7, "minute": 52}
